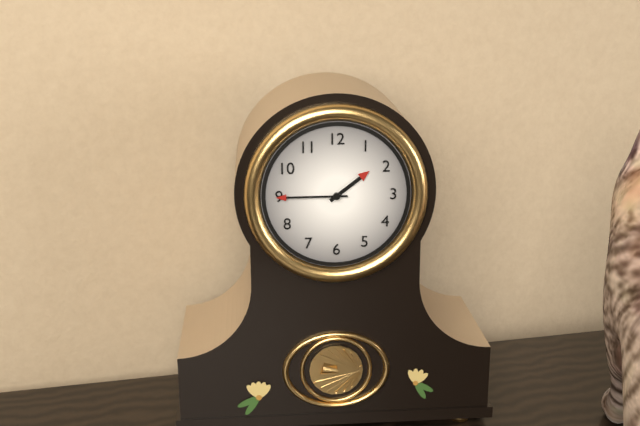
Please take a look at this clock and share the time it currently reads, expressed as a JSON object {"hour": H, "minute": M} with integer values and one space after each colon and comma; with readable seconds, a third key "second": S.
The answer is {"hour": 1, "minute": 45}
